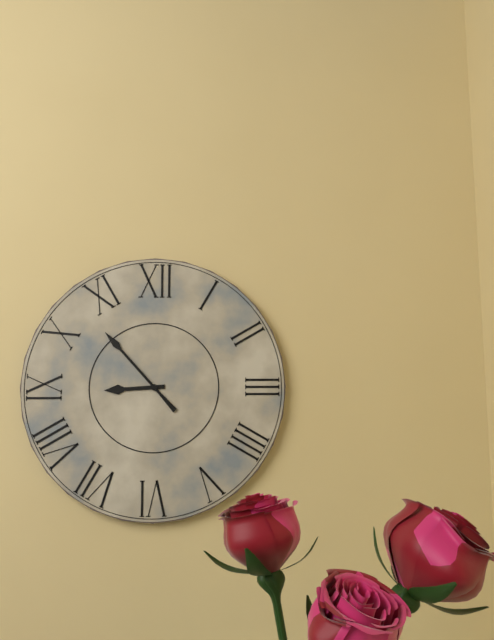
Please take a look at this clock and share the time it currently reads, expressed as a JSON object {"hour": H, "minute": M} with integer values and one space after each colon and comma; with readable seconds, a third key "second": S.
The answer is {"hour": 8, "minute": 53}
